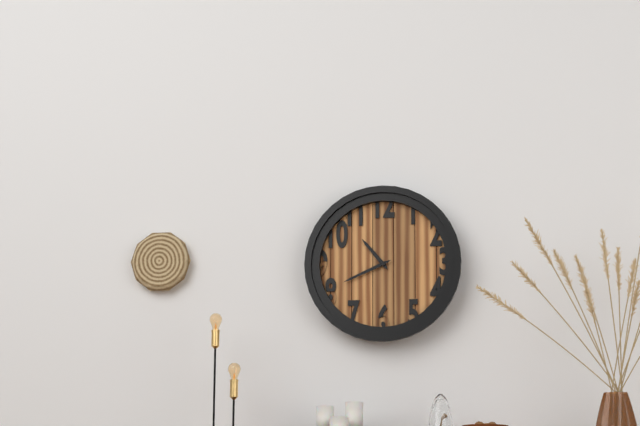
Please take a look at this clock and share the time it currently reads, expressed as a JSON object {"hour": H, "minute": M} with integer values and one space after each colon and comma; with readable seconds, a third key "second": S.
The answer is {"hour": 10, "minute": 41}
